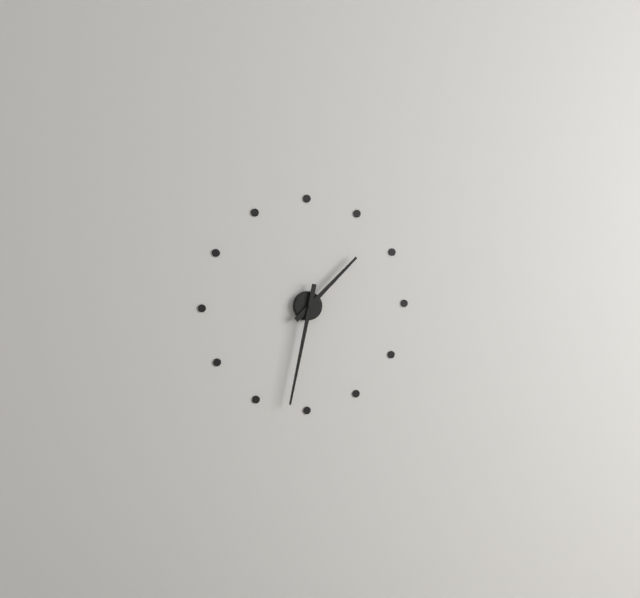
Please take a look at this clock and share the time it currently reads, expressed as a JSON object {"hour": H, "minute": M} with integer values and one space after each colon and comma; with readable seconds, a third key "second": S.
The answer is {"hour": 1, "minute": 32}
